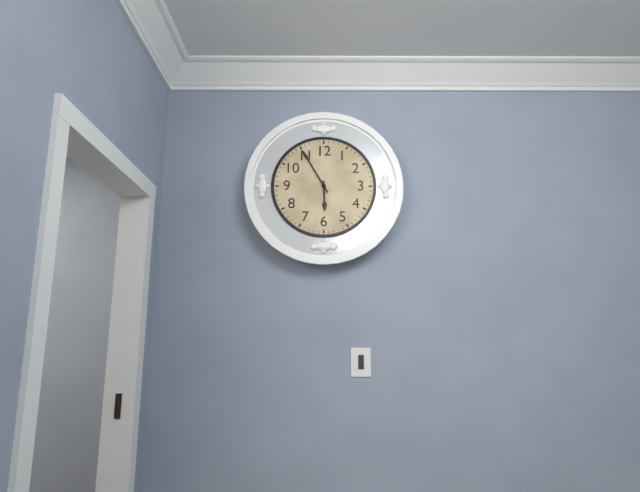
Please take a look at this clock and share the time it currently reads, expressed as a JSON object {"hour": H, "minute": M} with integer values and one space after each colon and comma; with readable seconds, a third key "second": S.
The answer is {"hour": 5, "minute": 55}
